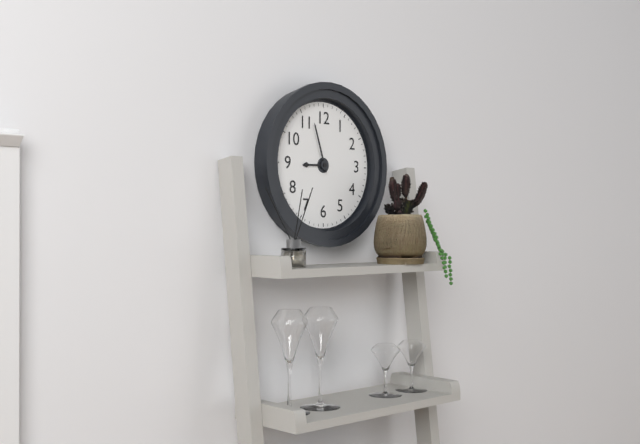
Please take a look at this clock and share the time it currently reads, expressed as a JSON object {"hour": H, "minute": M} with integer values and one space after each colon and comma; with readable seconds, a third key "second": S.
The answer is {"hour": 8, "minute": 57}
